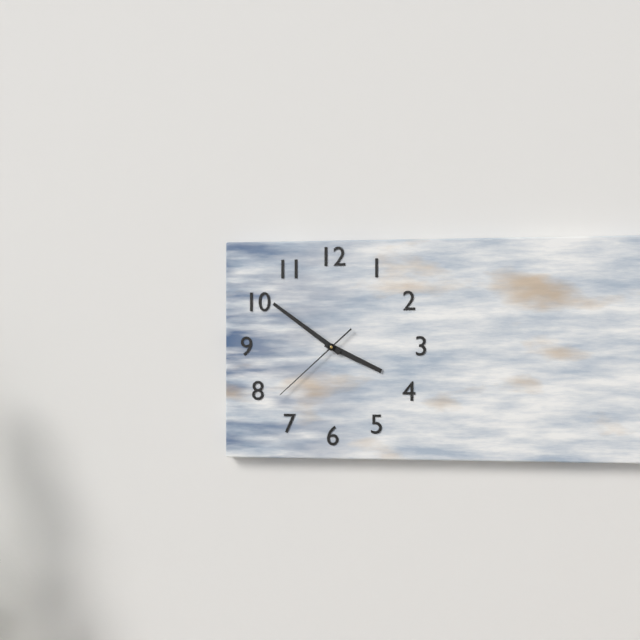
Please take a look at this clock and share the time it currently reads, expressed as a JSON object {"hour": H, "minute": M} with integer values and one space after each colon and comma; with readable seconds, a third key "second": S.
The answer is {"hour": 3, "minute": 51, "second": 38}
